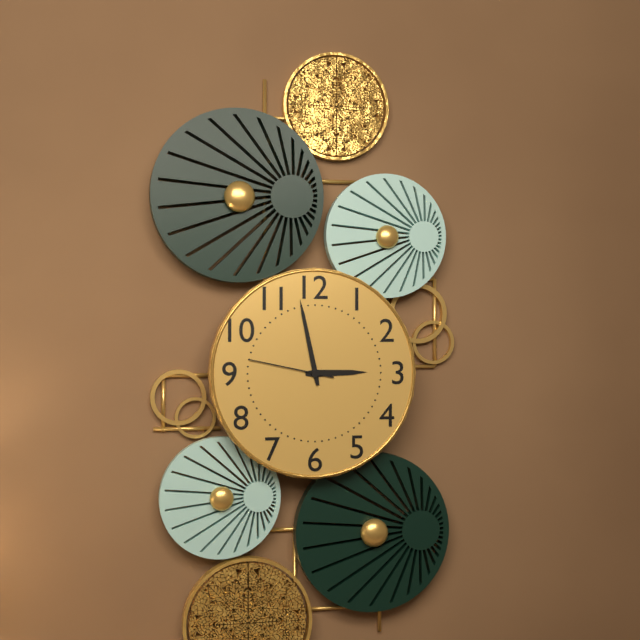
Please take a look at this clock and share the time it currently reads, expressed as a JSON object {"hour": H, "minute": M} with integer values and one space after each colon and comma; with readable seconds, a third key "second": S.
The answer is {"hour": 2, "minute": 58, "second": 47}
